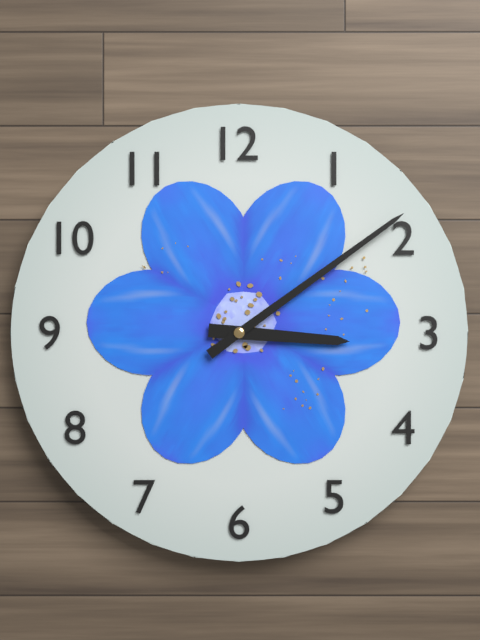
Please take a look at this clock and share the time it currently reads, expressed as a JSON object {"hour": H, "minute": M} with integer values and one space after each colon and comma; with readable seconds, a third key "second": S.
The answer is {"hour": 3, "minute": 9}
